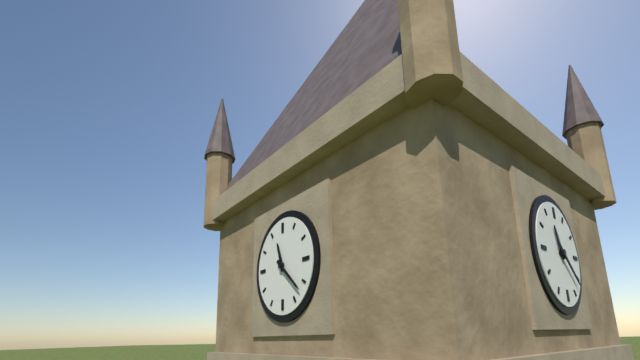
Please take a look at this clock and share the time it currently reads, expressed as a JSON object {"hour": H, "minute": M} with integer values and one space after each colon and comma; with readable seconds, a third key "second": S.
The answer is {"hour": 11, "minute": 22}
